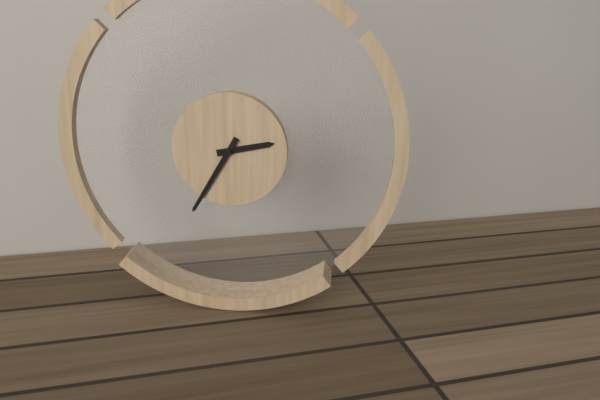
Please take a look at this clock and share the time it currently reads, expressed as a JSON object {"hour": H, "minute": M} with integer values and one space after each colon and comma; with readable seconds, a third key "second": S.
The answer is {"hour": 2, "minute": 35}
